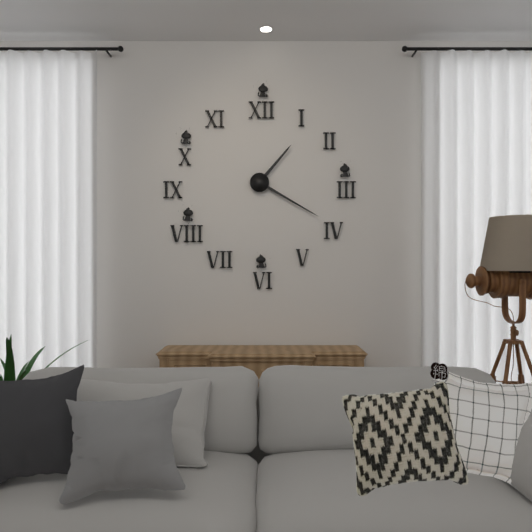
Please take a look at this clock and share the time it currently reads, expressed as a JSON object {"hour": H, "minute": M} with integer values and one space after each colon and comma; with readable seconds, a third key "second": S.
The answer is {"hour": 1, "minute": 20}
